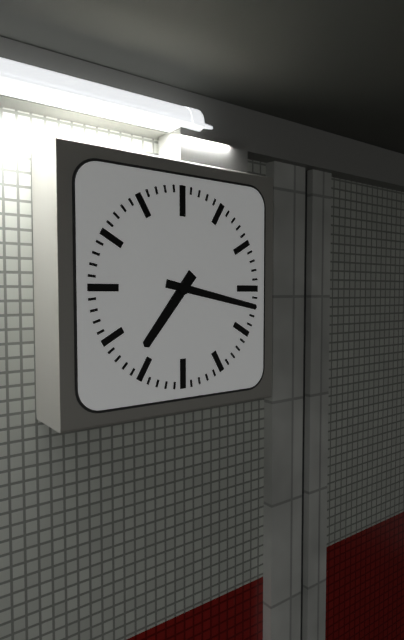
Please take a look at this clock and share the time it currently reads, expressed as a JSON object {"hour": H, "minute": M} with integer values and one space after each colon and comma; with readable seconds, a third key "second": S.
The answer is {"hour": 7, "minute": 17}
